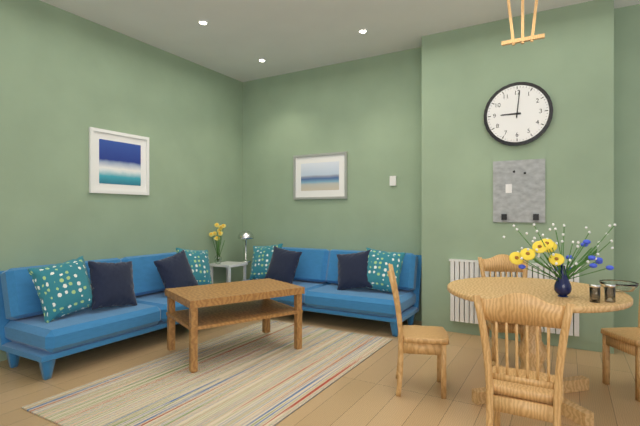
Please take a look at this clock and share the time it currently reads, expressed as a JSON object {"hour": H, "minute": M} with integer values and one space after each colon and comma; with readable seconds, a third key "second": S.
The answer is {"hour": 9, "minute": 1}
